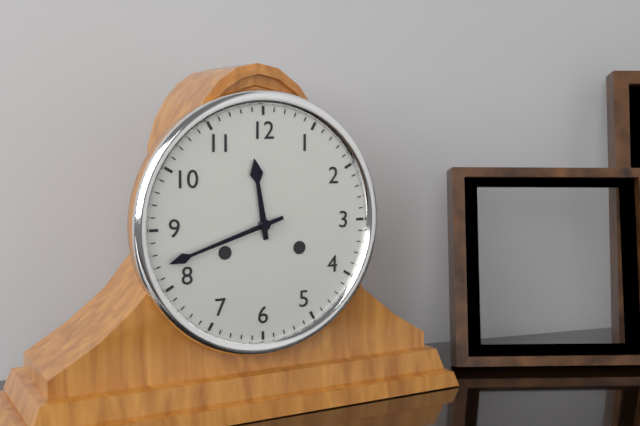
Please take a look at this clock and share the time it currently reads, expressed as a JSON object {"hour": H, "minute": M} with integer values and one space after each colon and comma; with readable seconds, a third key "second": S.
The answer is {"hour": 11, "minute": 42}
